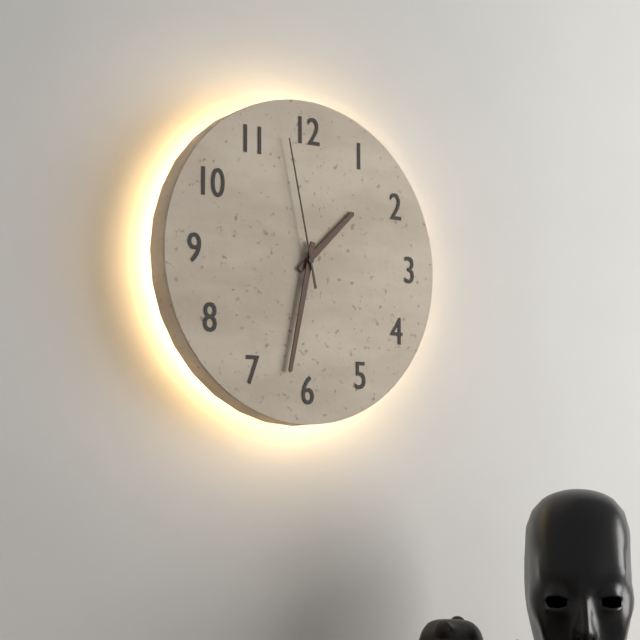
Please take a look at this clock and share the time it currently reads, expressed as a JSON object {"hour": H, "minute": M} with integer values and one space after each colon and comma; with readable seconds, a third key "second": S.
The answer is {"hour": 1, "minute": 32, "second": 58}
